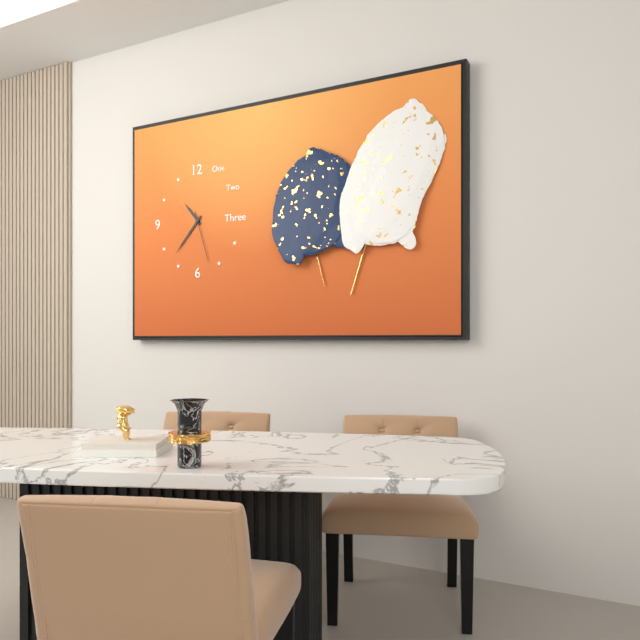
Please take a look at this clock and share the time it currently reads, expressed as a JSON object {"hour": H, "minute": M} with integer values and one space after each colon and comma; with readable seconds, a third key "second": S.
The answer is {"hour": 10, "minute": 37, "second": 27}
